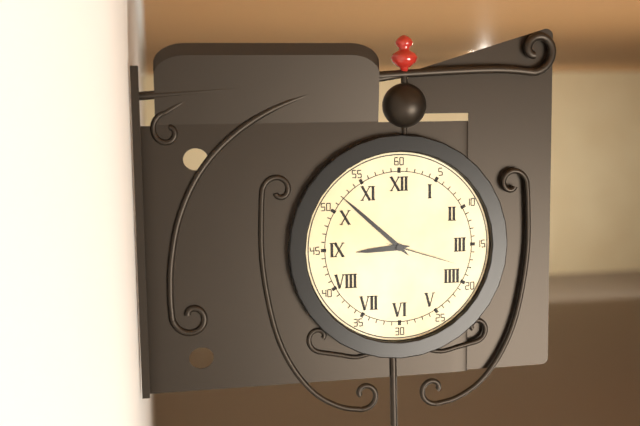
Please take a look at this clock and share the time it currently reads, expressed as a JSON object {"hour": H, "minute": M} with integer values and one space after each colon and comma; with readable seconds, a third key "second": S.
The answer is {"hour": 8, "minute": 52, "second": 18}
